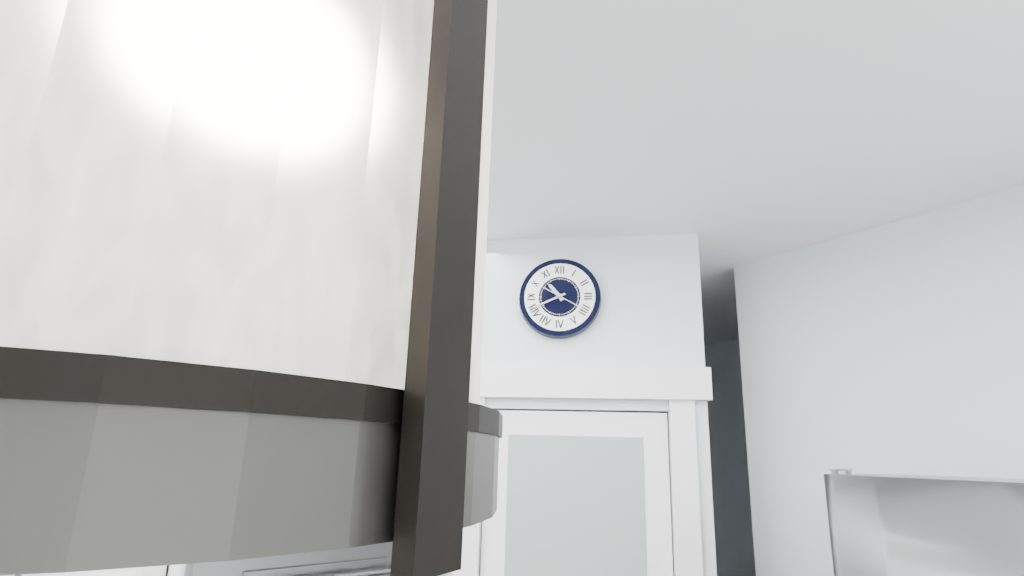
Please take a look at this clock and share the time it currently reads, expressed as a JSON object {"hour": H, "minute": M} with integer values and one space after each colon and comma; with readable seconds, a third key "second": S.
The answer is {"hour": 10, "minute": 41}
